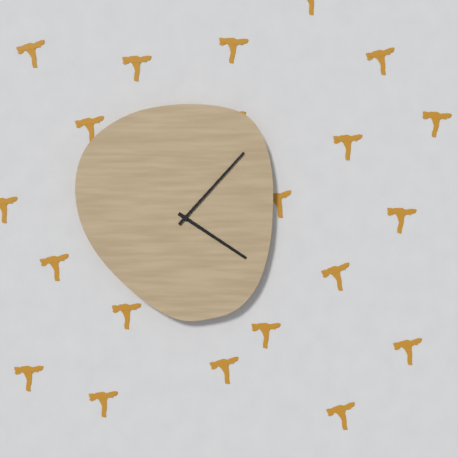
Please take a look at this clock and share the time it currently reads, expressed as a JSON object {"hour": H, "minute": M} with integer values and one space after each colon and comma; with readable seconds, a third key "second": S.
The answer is {"hour": 4, "minute": 7}
